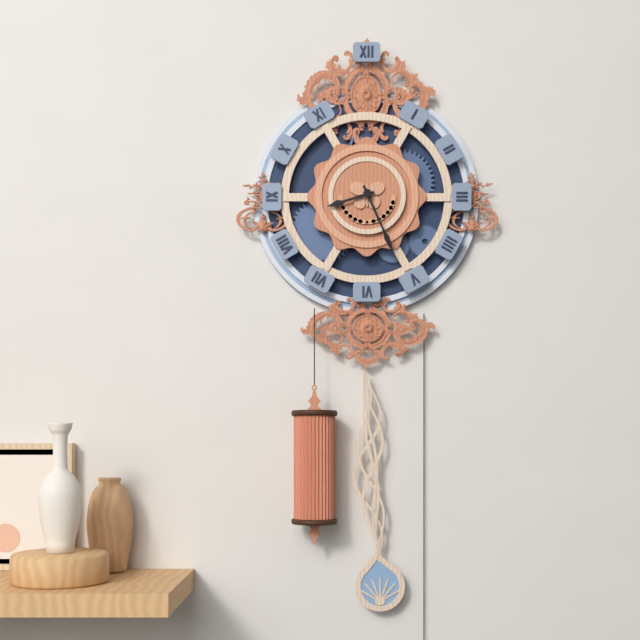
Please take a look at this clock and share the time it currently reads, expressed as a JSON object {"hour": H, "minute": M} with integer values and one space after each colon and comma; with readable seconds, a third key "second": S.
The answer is {"hour": 8, "minute": 26}
